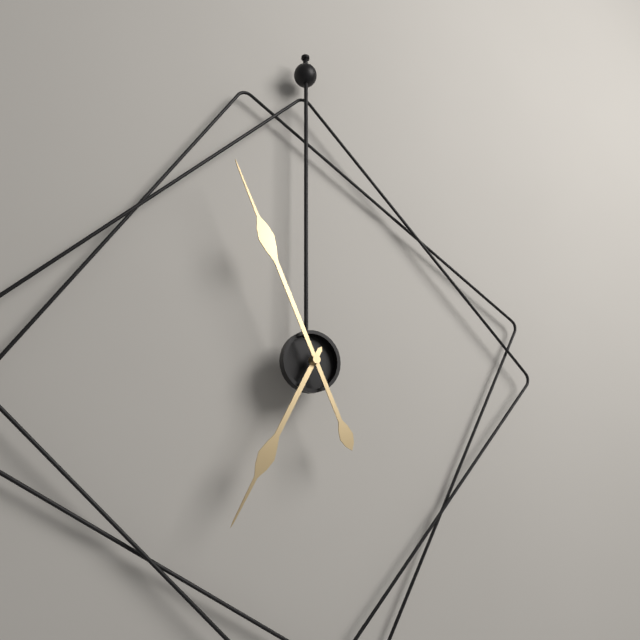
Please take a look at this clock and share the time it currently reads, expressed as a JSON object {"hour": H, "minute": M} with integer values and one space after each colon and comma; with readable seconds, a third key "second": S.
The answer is {"hour": 6, "minute": 56}
